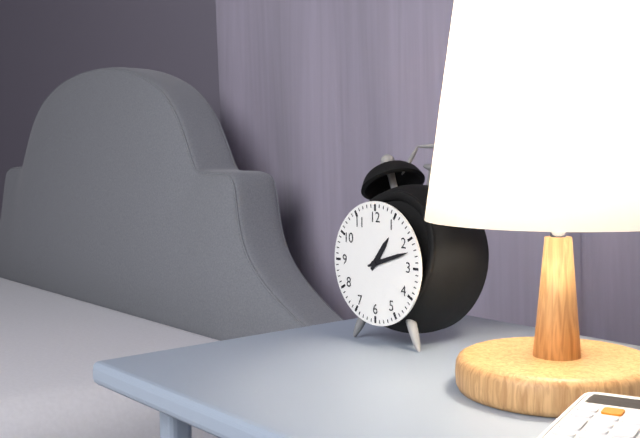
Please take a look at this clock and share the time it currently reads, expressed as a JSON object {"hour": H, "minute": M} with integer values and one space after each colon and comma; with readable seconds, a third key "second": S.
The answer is {"hour": 1, "minute": 12}
